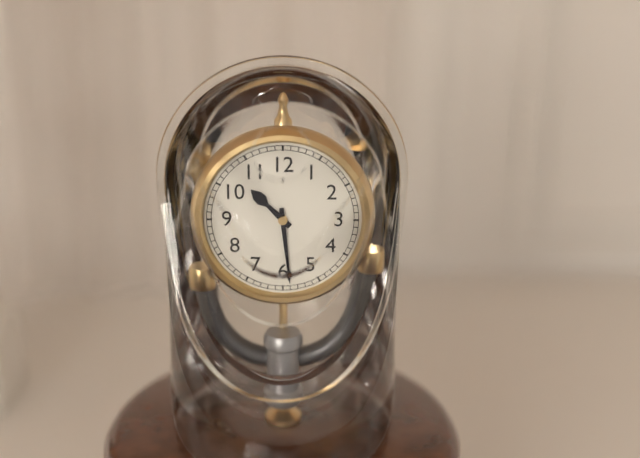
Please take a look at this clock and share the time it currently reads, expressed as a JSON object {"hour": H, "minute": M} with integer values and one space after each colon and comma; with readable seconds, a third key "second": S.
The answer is {"hour": 10, "minute": 29}
